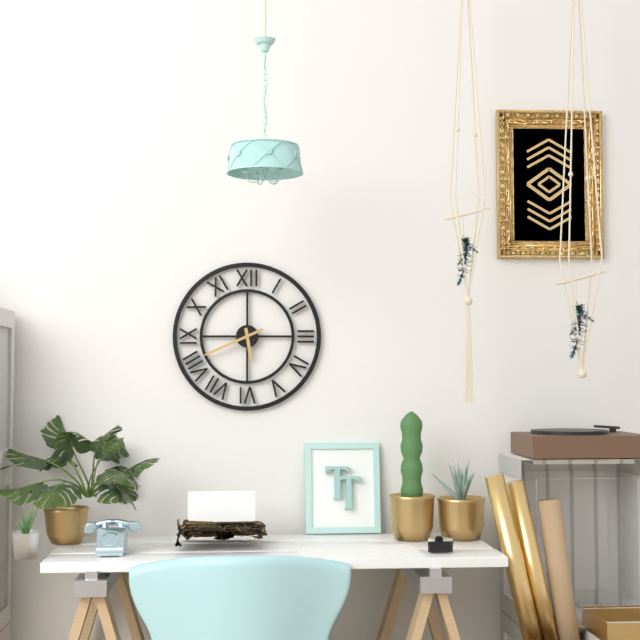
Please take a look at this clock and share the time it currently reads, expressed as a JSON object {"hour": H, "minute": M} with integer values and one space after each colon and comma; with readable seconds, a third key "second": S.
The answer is {"hour": 5, "minute": 41}
